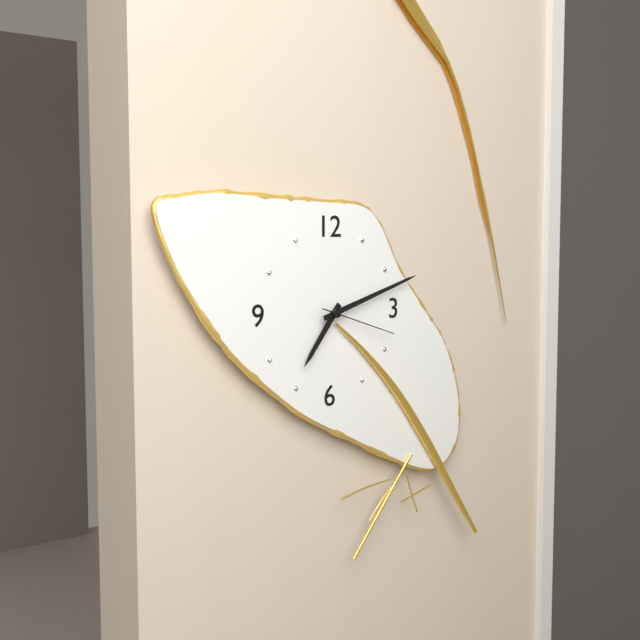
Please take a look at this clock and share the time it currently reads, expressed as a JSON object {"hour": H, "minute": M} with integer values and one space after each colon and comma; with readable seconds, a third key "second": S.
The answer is {"hour": 7, "minute": 12, "second": 18}
